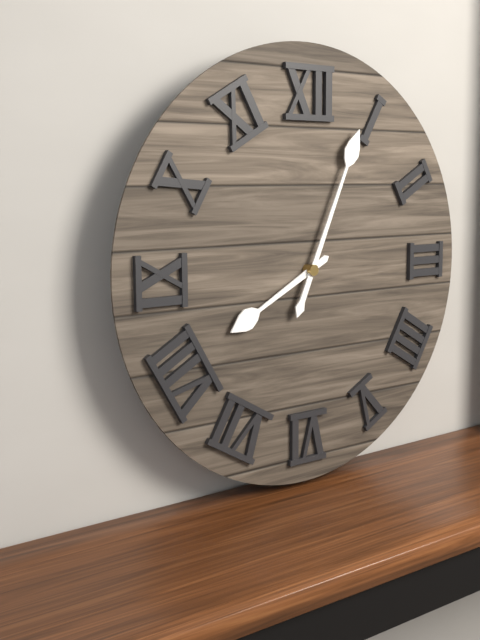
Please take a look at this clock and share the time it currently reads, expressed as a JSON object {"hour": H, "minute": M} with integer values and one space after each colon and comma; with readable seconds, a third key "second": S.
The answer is {"hour": 8, "minute": 4}
